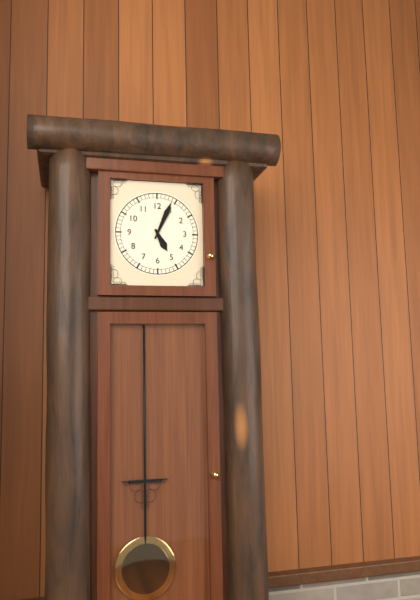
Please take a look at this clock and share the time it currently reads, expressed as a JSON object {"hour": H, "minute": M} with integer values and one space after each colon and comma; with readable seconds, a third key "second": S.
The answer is {"hour": 5, "minute": 4}
